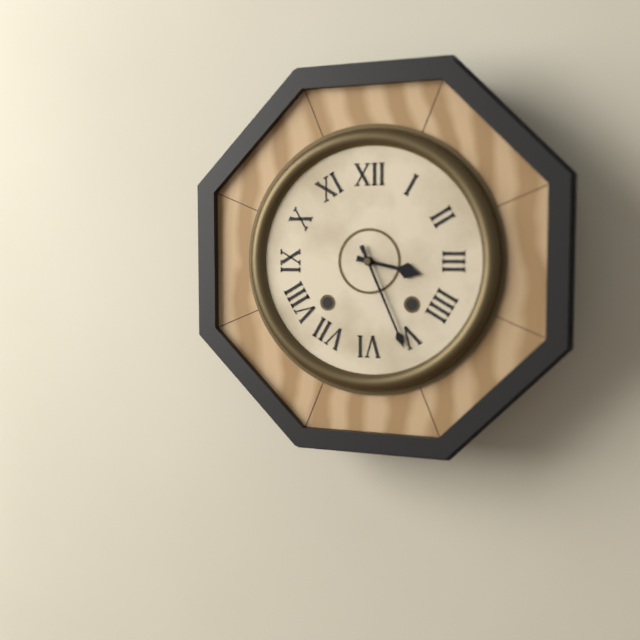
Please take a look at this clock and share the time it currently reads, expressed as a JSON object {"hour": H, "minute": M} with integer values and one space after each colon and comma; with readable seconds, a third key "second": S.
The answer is {"hour": 3, "minute": 26}
